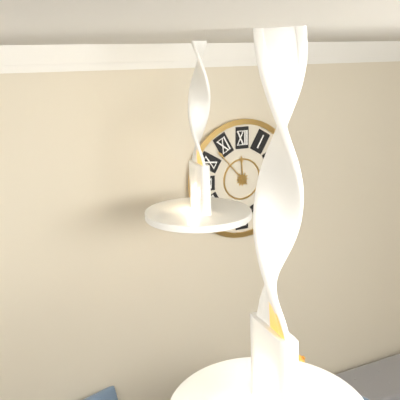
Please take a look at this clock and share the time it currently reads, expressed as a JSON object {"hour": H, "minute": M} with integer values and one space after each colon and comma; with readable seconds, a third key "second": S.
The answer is {"hour": 11, "minute": 53}
